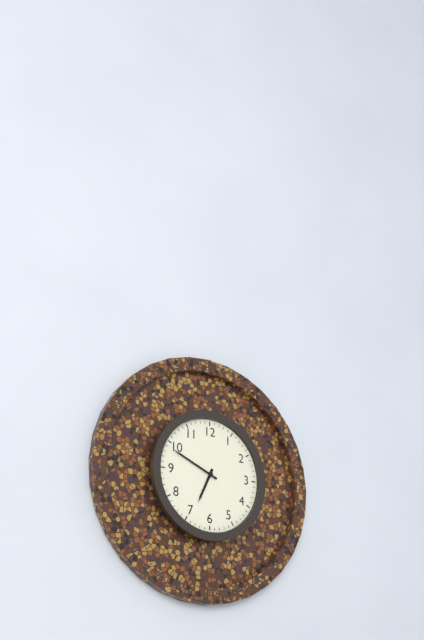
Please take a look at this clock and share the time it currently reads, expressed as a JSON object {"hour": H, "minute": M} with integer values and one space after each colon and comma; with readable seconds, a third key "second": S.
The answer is {"hour": 6, "minute": 49}
